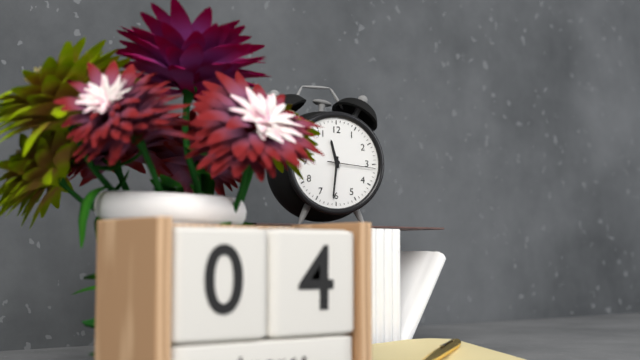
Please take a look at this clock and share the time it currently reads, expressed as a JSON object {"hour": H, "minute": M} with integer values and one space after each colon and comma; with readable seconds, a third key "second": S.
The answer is {"hour": 11, "minute": 31}
